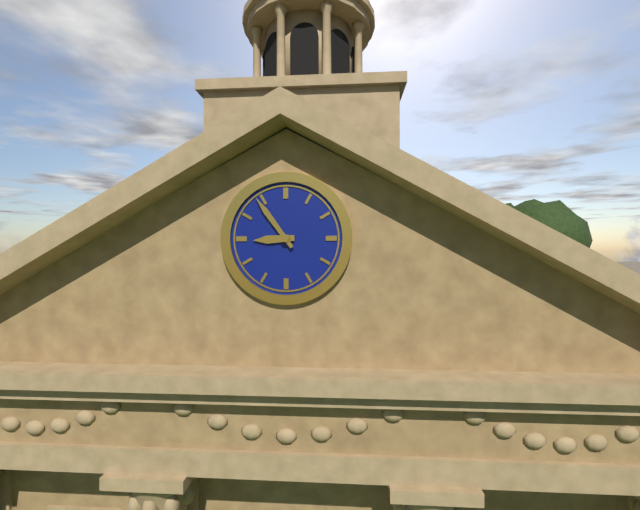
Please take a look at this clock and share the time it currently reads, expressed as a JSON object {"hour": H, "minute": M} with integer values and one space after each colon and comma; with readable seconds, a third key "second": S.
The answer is {"hour": 8, "minute": 54}
